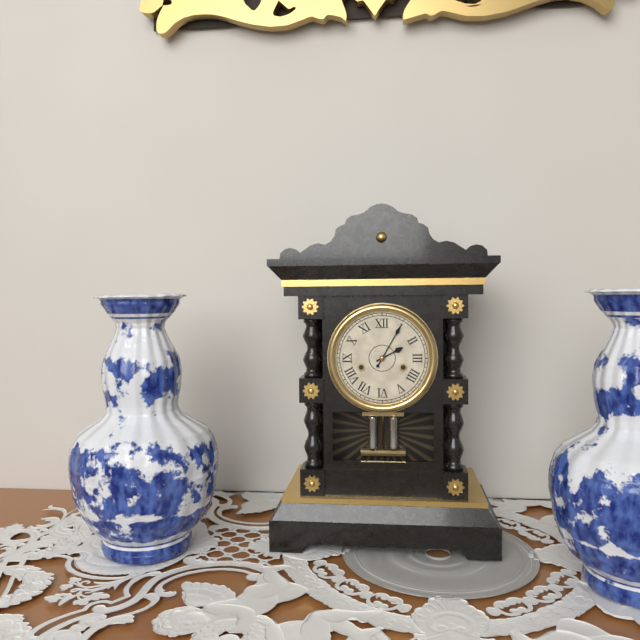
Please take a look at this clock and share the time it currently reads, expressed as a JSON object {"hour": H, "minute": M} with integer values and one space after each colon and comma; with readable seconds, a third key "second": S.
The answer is {"hour": 2, "minute": 5}
